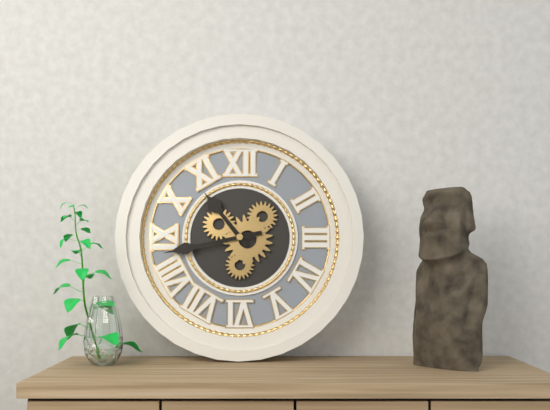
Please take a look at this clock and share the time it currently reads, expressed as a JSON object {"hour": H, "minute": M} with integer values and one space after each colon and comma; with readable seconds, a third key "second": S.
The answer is {"hour": 10, "minute": 43}
